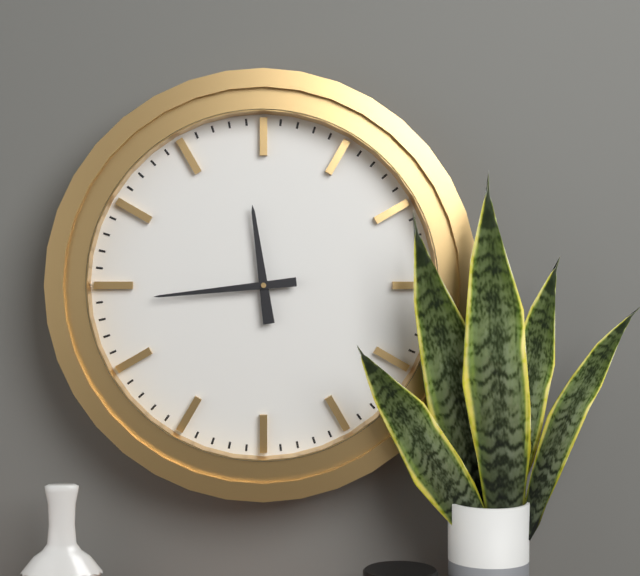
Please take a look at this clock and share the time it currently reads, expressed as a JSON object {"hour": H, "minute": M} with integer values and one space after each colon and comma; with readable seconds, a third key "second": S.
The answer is {"hour": 11, "minute": 44}
